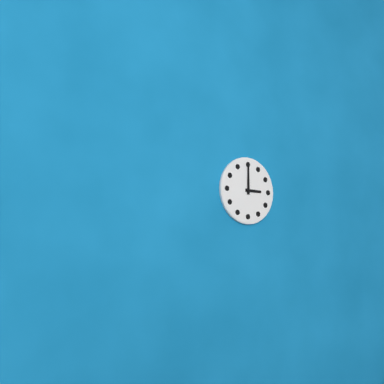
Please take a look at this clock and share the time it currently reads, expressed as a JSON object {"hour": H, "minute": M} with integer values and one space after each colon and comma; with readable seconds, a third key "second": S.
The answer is {"hour": 3, "minute": 0}
